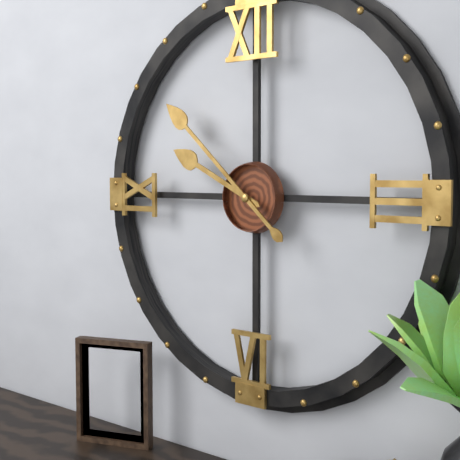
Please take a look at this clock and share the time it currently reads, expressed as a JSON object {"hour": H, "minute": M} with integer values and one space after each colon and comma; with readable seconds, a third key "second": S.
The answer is {"hour": 9, "minute": 52}
